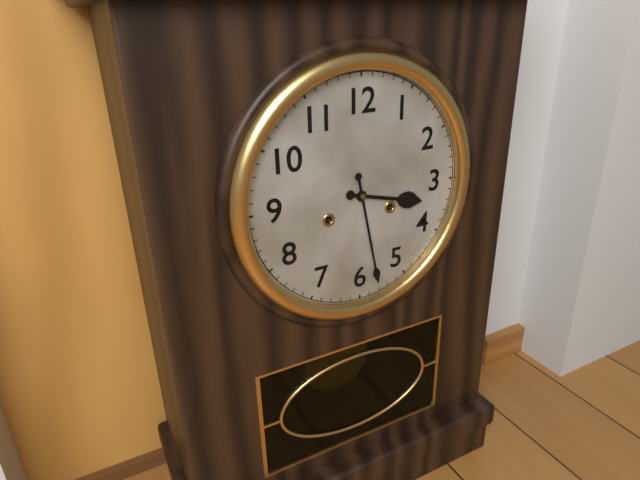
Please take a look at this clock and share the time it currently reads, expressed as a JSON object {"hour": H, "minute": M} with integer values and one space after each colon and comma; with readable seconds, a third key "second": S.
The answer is {"hour": 3, "minute": 28}
